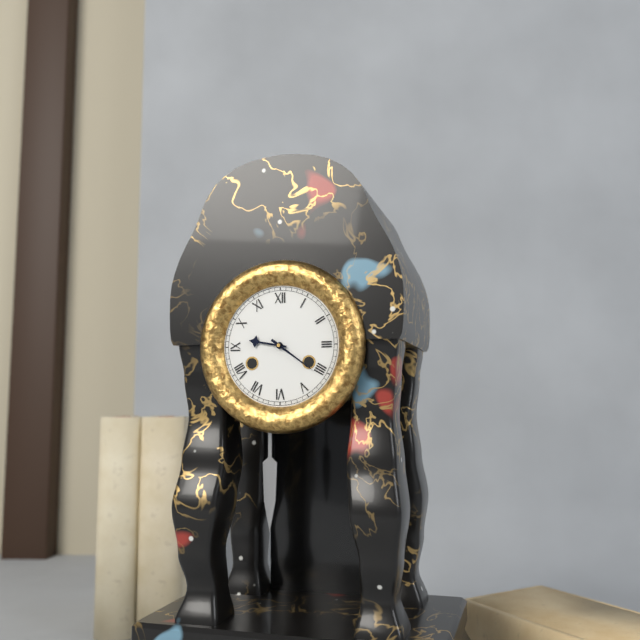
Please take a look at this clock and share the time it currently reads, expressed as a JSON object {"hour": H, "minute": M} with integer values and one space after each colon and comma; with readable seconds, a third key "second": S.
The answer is {"hour": 9, "minute": 21}
